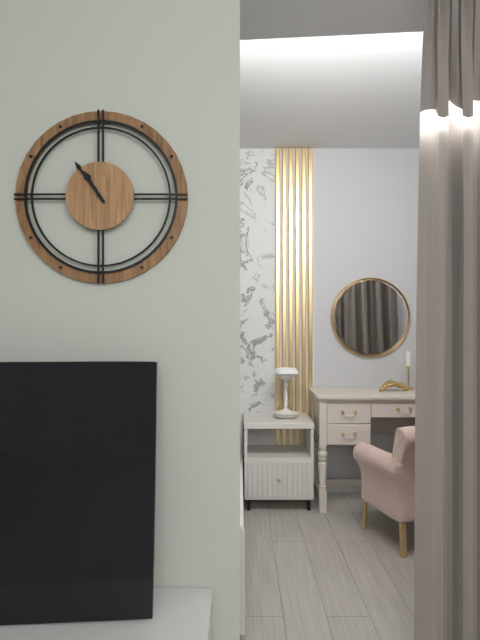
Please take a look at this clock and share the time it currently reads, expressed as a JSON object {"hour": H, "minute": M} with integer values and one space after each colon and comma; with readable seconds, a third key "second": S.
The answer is {"hour": 10, "minute": 54}
